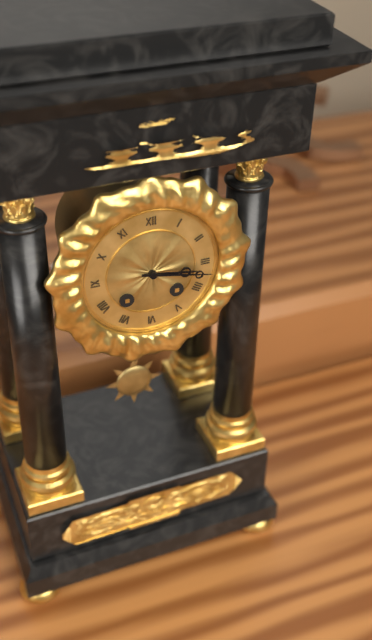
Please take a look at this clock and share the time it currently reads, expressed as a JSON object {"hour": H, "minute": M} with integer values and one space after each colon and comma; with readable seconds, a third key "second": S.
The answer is {"hour": 3, "minute": 17}
